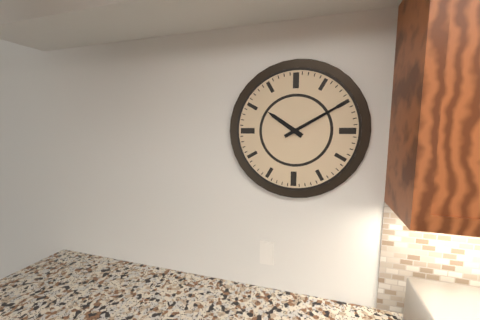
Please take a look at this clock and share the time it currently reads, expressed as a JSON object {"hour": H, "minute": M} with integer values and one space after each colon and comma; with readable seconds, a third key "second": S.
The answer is {"hour": 10, "minute": 10}
